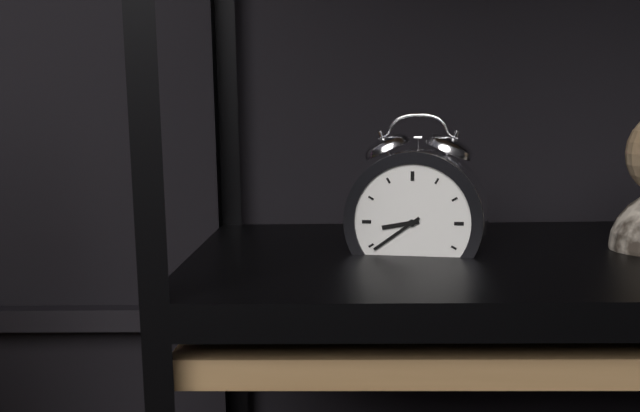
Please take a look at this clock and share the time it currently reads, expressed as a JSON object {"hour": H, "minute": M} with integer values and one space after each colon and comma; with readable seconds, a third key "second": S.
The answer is {"hour": 8, "minute": 39}
